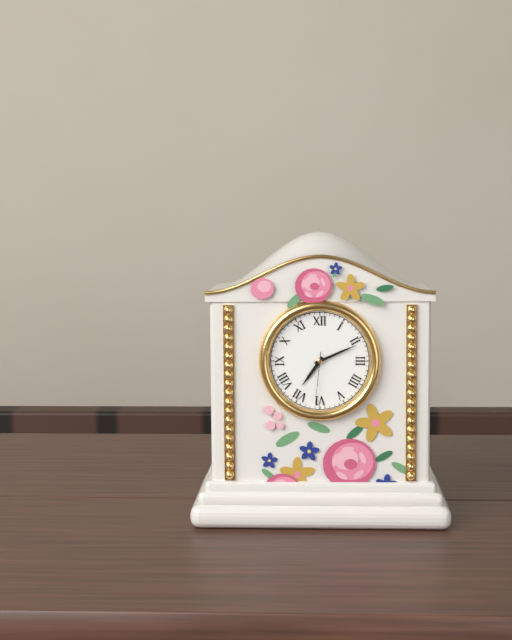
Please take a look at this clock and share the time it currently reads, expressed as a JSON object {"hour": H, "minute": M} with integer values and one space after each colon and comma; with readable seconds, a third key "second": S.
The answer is {"hour": 7, "minute": 11, "second": 31}
